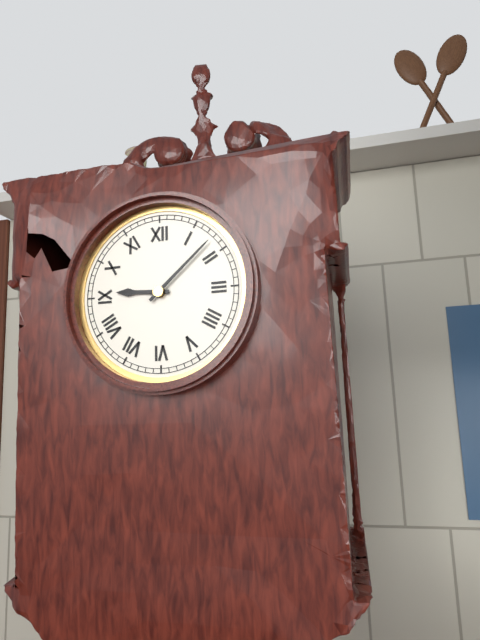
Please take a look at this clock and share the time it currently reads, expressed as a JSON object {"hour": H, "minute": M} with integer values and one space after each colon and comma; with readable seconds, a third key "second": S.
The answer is {"hour": 9, "minute": 8}
